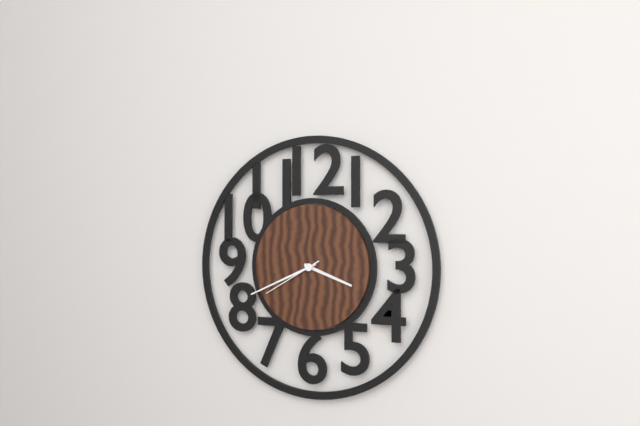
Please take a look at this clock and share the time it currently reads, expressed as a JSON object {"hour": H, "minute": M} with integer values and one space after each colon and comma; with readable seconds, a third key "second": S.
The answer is {"hour": 3, "minute": 41, "second": 40}
